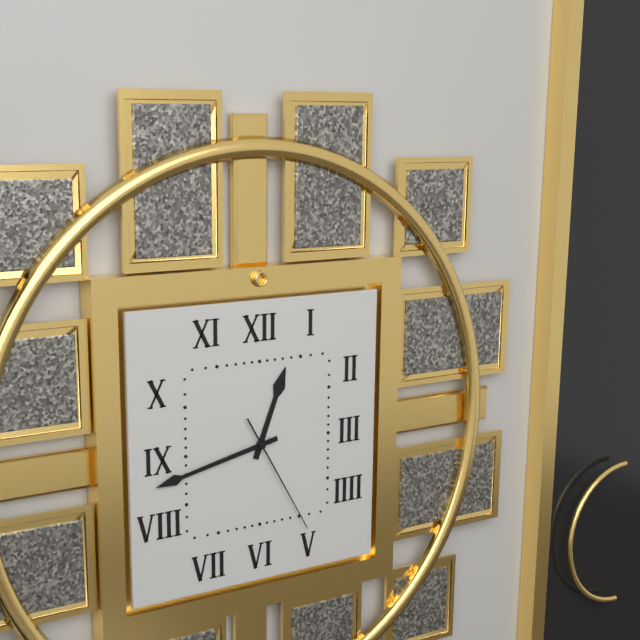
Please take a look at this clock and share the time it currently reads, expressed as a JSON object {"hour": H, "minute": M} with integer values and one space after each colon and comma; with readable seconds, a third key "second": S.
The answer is {"hour": 12, "minute": 43, "second": 25}
